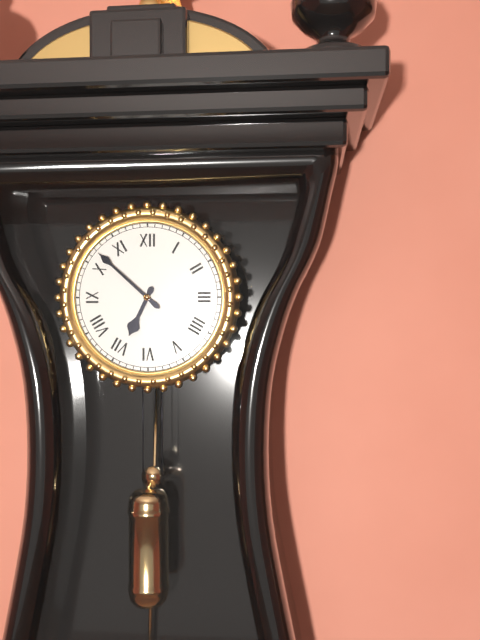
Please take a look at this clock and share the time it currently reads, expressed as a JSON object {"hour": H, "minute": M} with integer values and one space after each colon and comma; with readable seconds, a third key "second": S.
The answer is {"hour": 6, "minute": 52}
